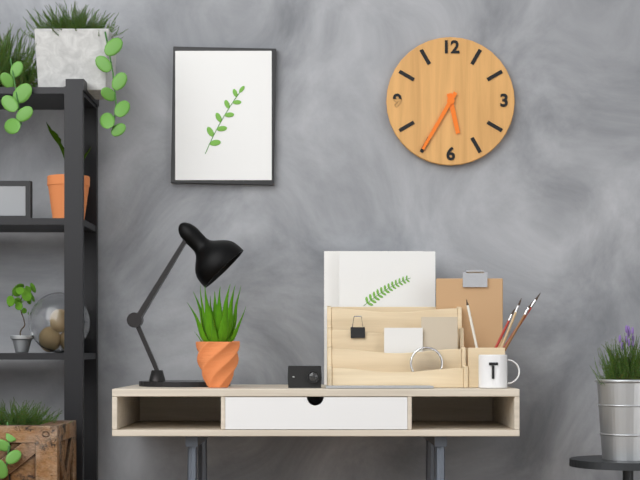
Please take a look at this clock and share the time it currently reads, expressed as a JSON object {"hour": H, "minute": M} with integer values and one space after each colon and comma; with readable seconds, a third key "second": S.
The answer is {"hour": 5, "minute": 35}
